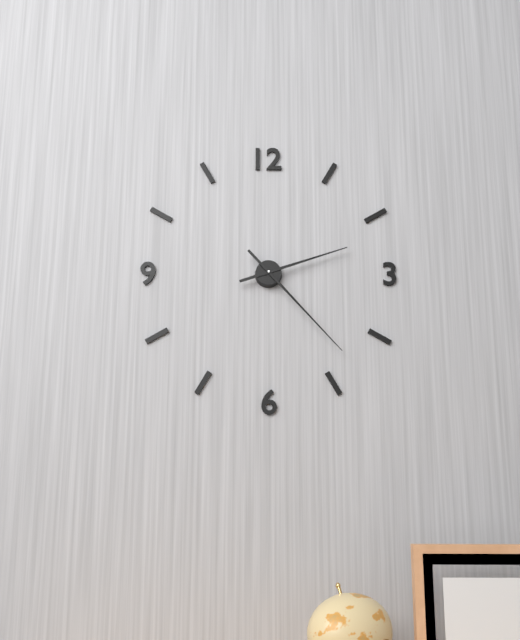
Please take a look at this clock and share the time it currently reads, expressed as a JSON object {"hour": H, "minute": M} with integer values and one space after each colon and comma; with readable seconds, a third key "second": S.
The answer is {"hour": 2, "minute": 23}
